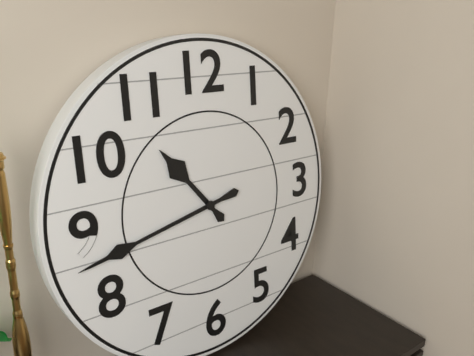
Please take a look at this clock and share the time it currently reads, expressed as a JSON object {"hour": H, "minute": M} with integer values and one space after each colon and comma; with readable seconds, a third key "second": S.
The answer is {"hour": 10, "minute": 43}
